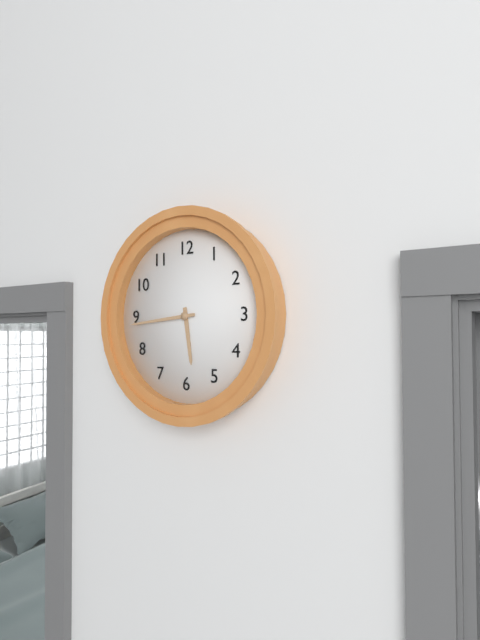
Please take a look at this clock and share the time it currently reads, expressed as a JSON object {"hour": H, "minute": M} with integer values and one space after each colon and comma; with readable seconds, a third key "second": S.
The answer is {"hour": 5, "minute": 44}
